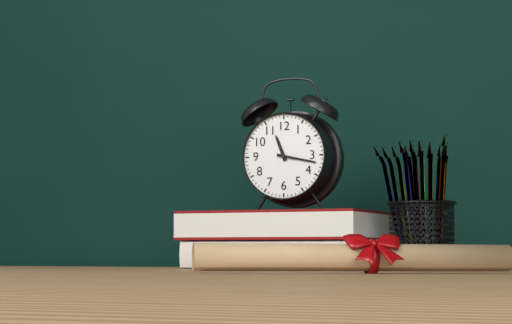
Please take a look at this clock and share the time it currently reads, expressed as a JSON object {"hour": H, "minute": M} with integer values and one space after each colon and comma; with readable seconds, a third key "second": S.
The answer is {"hour": 11, "minute": 17}
